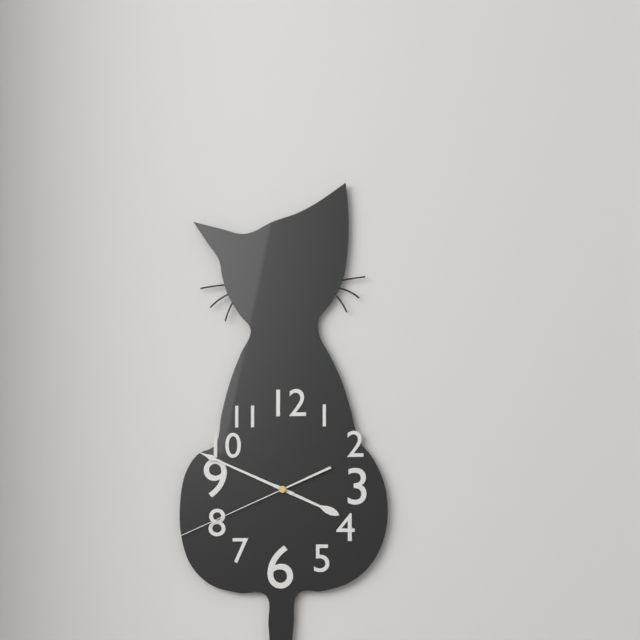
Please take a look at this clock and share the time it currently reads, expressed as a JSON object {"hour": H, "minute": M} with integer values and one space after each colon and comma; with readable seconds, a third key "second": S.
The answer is {"hour": 3, "minute": 49, "second": 41}
